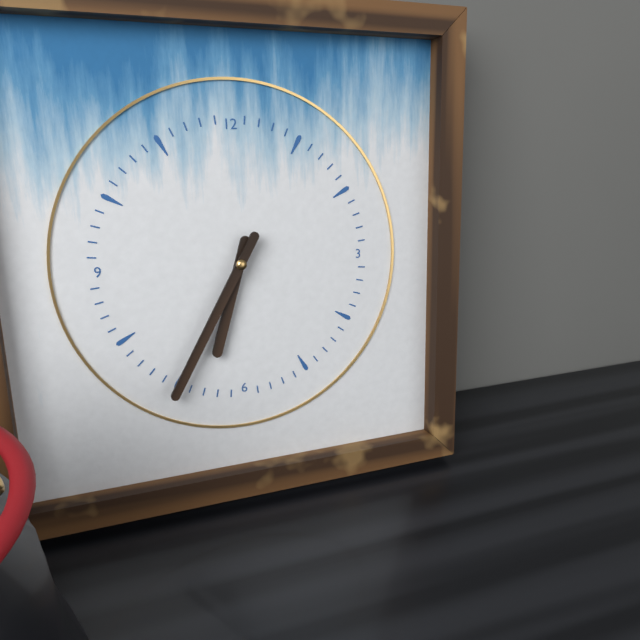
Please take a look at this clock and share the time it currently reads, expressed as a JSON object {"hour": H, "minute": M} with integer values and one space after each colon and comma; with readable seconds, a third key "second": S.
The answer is {"hour": 6, "minute": 35}
